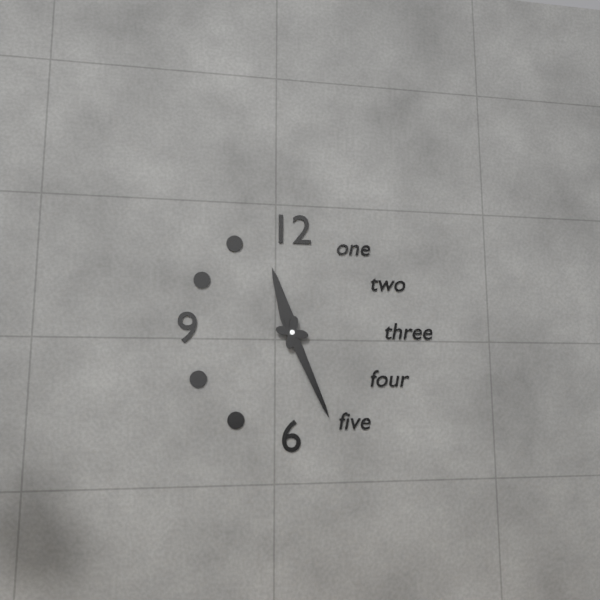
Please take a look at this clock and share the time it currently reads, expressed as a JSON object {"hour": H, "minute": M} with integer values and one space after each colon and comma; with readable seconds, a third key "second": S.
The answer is {"hour": 11, "minute": 26}
